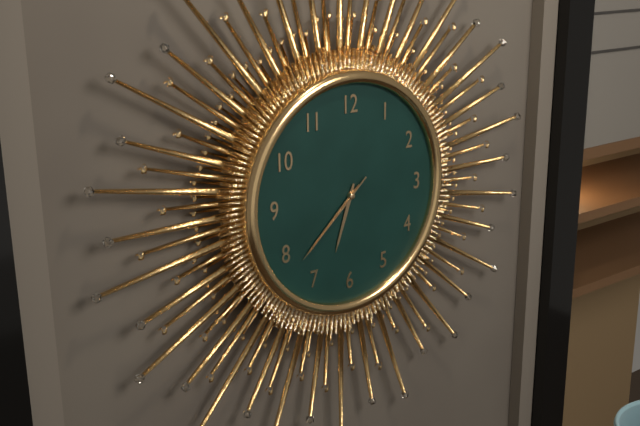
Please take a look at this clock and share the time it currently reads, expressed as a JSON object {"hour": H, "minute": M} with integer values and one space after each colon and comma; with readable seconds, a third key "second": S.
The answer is {"hour": 6, "minute": 38, "second": 38}
